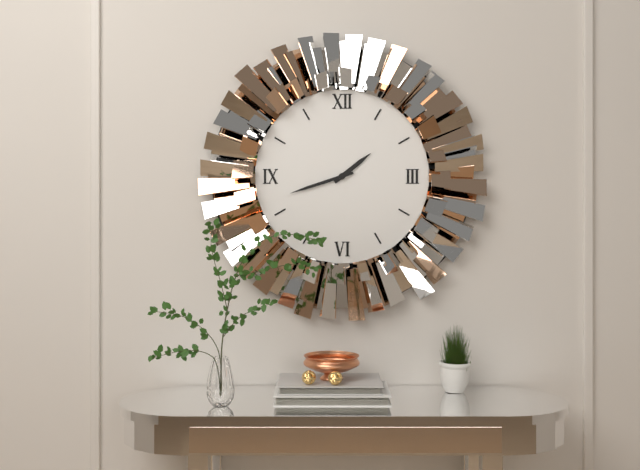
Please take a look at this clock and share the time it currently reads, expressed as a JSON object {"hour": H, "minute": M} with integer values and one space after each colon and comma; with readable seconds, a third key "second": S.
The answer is {"hour": 1, "minute": 42}
